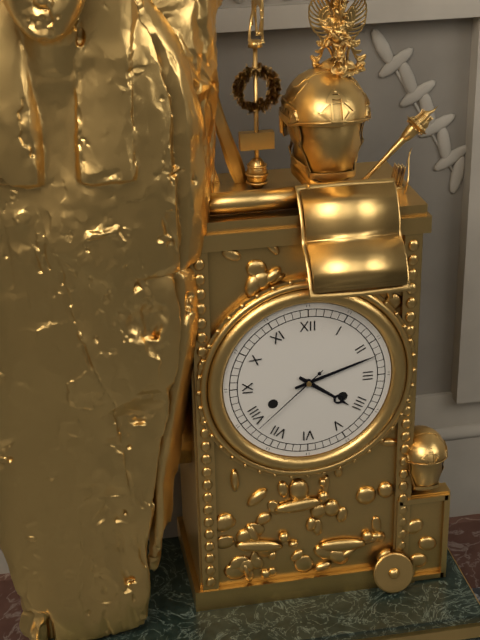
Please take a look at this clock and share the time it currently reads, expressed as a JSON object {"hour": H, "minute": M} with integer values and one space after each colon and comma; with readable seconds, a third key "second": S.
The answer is {"hour": 4, "minute": 12, "second": 38}
